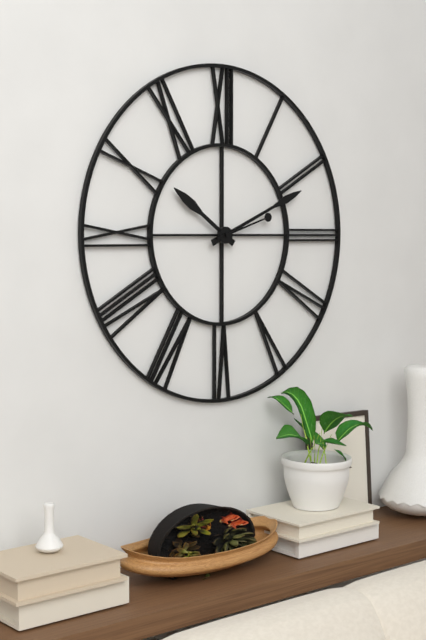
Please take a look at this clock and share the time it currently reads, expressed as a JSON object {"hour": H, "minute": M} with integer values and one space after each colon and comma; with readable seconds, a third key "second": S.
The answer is {"hour": 10, "minute": 11, "second": 12}
